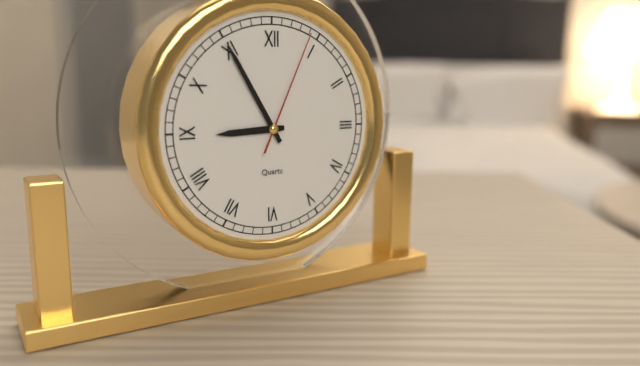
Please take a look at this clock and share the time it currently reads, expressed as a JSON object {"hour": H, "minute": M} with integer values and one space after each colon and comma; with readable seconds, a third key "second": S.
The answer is {"hour": 8, "minute": 55, "second": 4}
